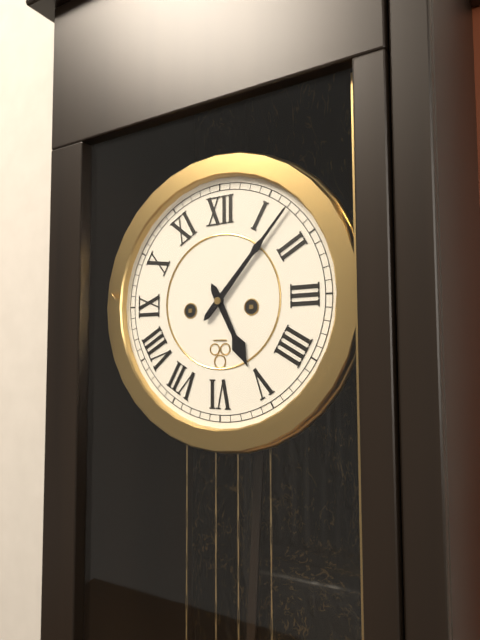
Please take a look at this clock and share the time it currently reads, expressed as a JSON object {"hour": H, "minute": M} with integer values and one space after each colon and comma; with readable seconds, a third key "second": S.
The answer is {"hour": 5, "minute": 7}
